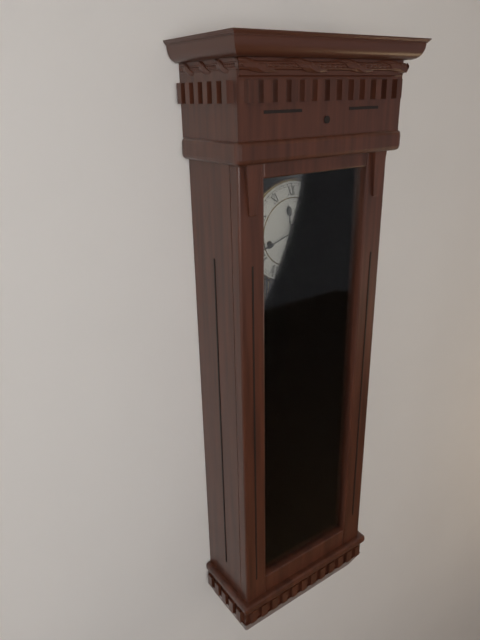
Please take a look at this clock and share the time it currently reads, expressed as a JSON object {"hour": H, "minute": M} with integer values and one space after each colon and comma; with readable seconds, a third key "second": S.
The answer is {"hour": 11, "minute": 42}
